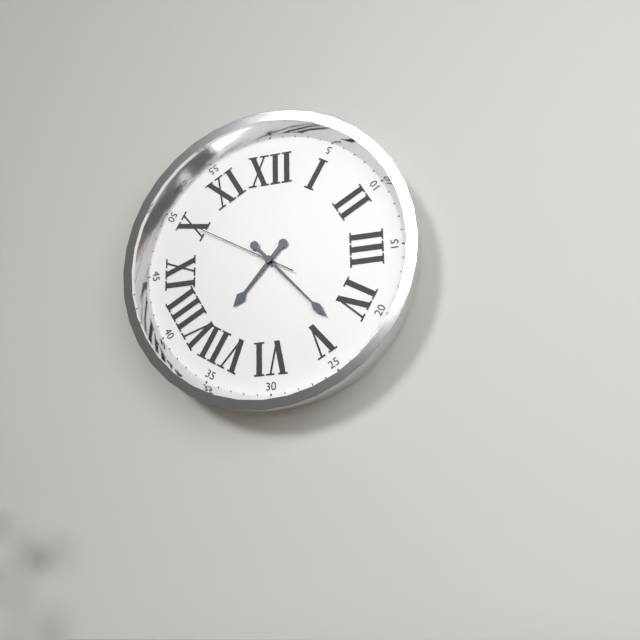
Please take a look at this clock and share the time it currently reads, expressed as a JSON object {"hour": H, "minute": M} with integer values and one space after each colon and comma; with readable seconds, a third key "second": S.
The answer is {"hour": 7, "minute": 23, "second": 50}
